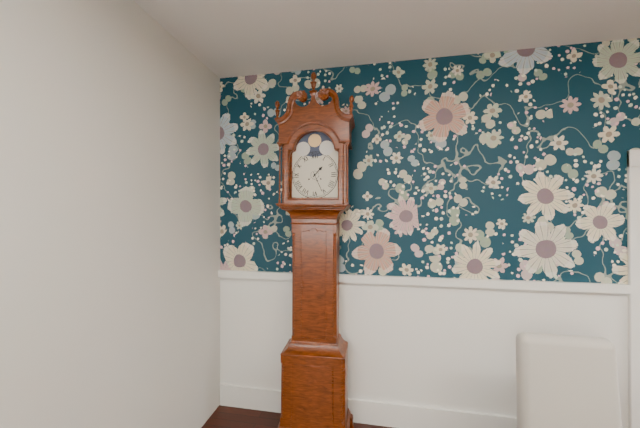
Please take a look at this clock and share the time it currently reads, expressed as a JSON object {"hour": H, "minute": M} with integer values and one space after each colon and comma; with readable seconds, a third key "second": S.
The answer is {"hour": 1, "minute": 26}
